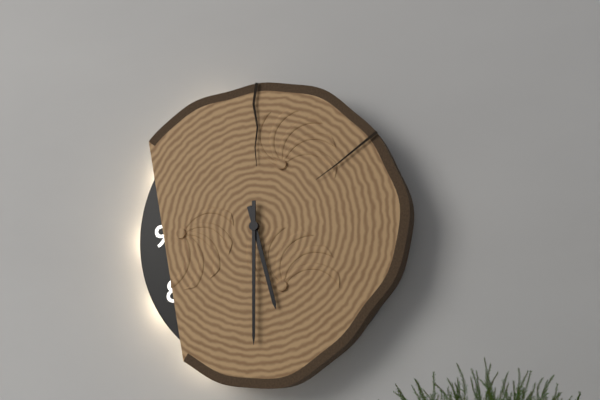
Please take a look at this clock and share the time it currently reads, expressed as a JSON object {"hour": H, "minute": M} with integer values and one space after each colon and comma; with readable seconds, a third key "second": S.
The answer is {"hour": 5, "minute": 30}
